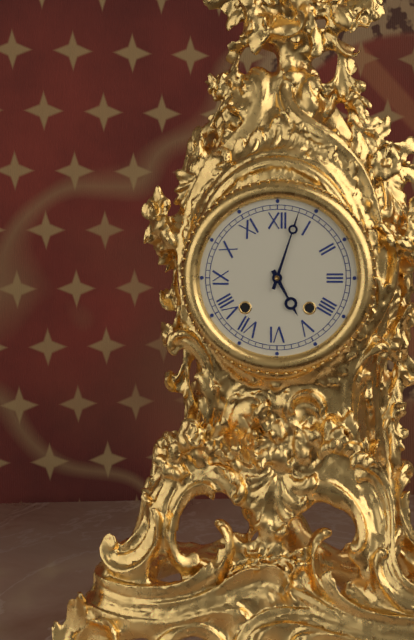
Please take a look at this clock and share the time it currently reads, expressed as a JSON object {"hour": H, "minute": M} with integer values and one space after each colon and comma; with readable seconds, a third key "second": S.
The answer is {"hour": 5, "minute": 3}
